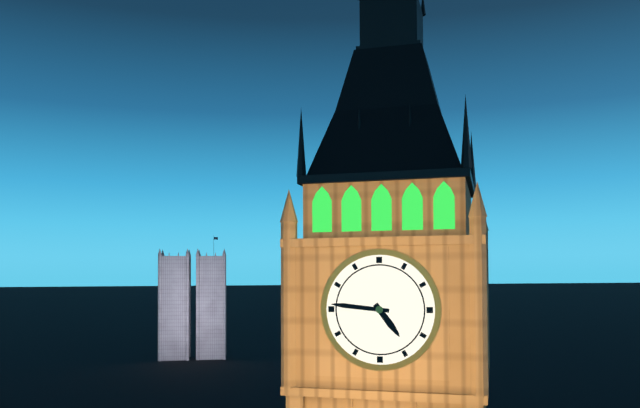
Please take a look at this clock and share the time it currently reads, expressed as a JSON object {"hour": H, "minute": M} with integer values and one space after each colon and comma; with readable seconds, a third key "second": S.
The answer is {"hour": 4, "minute": 46}
